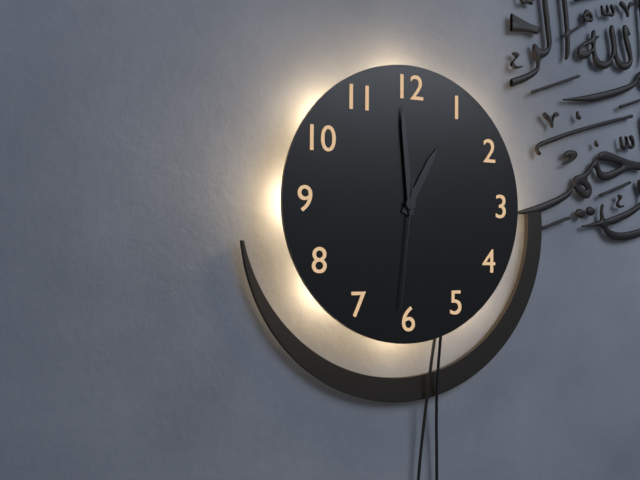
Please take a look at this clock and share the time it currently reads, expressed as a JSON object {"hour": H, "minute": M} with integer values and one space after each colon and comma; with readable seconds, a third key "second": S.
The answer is {"hour": 12, "minute": 59, "second": 31}
